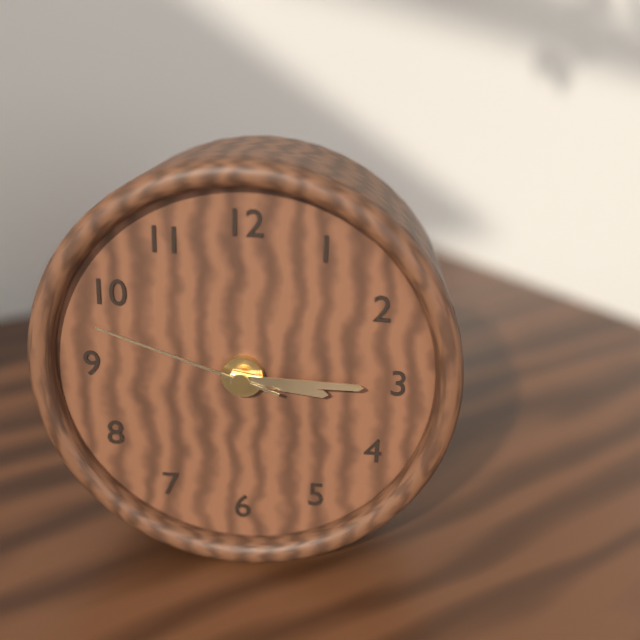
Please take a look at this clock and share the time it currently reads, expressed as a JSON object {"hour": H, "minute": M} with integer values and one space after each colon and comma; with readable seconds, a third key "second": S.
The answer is {"hour": 3, "minute": 15, "second": 48}
